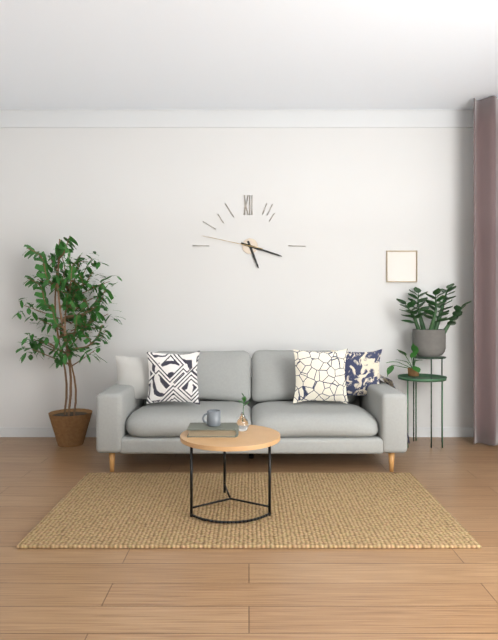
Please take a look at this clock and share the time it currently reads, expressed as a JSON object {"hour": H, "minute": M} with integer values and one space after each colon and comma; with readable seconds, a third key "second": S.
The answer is {"hour": 5, "minute": 18, "second": 47}
